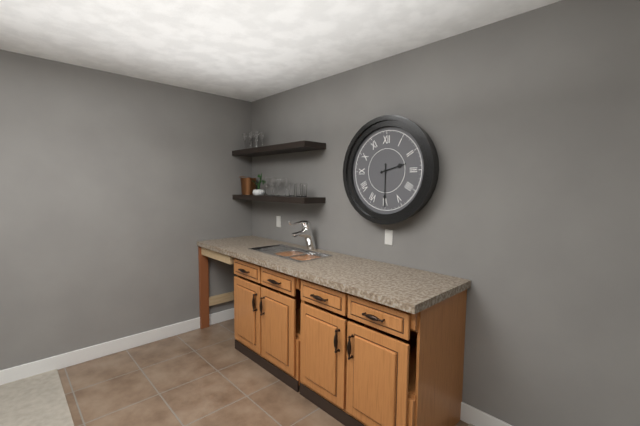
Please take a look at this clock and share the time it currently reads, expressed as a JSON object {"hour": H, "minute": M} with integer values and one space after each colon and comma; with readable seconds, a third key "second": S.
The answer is {"hour": 2, "minute": 30}
